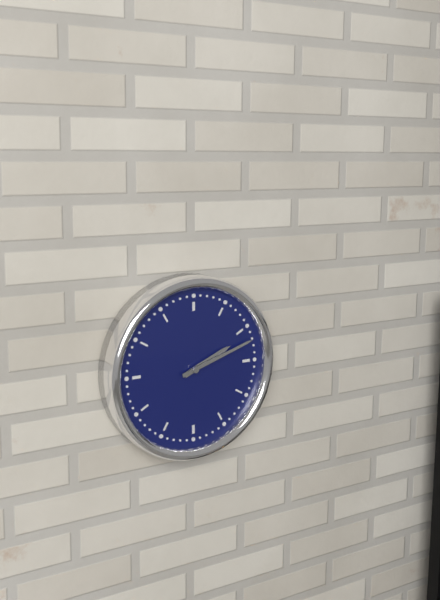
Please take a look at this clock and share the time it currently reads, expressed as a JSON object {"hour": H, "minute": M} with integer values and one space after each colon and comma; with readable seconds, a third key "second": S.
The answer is {"hour": 2, "minute": 12}
